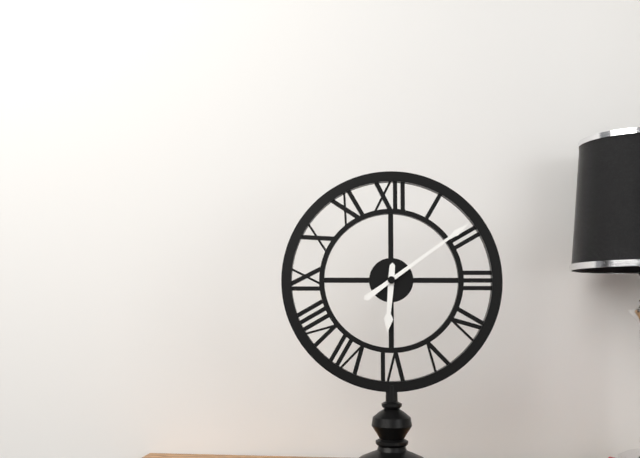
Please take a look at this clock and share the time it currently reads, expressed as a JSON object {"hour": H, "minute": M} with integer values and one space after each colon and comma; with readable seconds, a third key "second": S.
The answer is {"hour": 6, "minute": 9}
